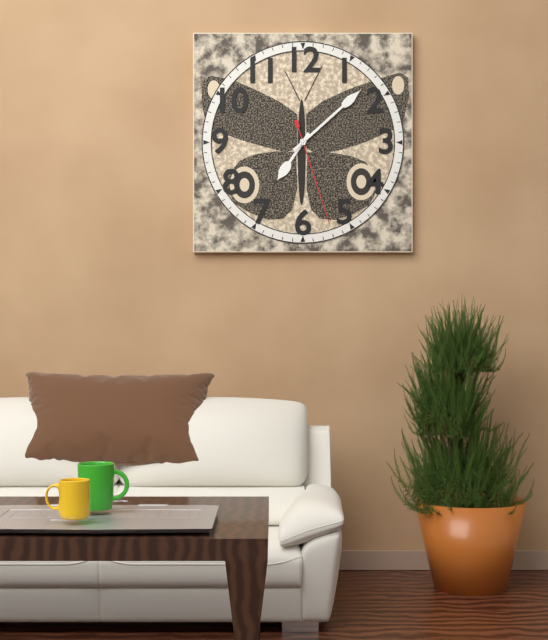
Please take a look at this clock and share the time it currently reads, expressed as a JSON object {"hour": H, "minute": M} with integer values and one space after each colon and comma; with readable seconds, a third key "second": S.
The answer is {"hour": 7, "minute": 8, "second": 27}
